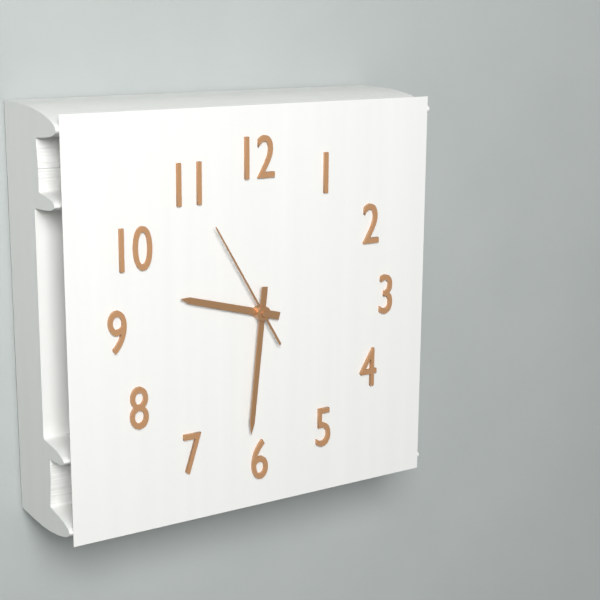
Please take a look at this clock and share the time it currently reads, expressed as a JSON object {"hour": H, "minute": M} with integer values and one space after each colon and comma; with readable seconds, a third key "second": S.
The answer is {"hour": 9, "minute": 31, "second": 55}
